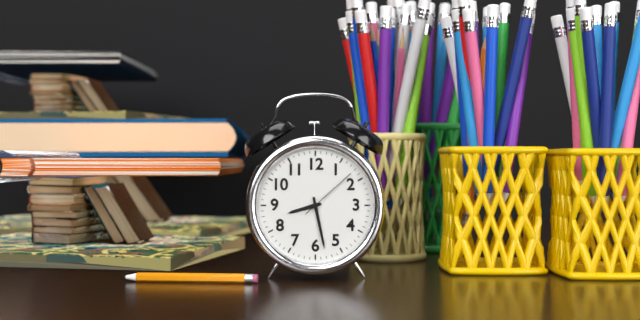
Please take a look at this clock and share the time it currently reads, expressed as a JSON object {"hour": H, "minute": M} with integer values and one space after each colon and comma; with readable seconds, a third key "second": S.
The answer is {"hour": 8, "minute": 28, "second": 8}
